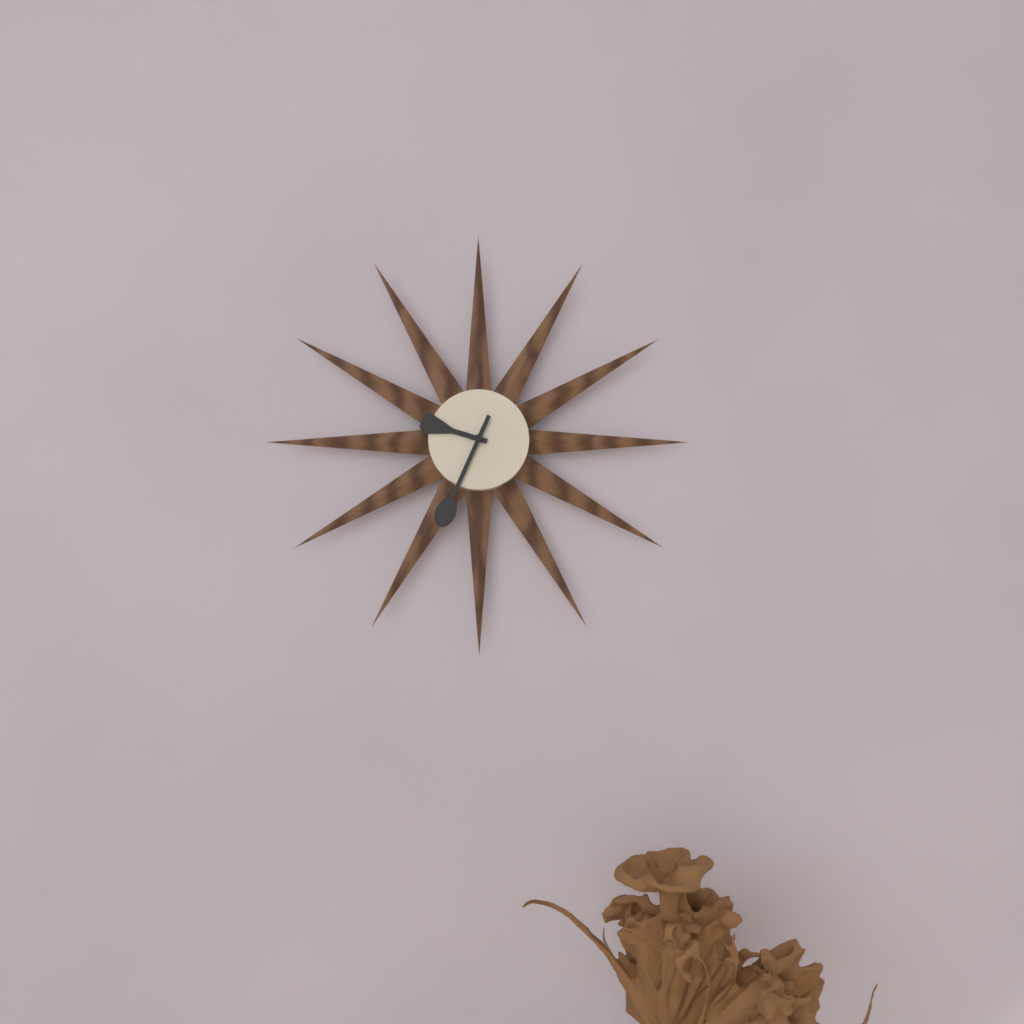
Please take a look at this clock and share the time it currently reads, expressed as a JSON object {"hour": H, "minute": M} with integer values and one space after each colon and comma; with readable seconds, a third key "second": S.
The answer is {"hour": 9, "minute": 34}
